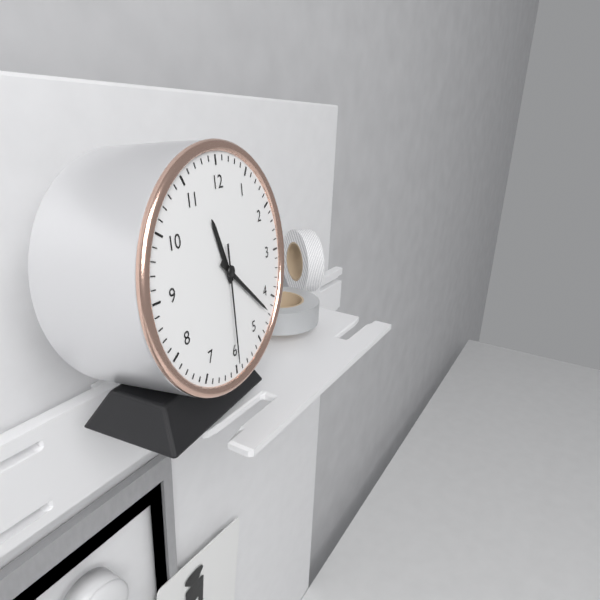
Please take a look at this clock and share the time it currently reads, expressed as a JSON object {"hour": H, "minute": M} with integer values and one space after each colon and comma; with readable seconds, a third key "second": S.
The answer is {"hour": 11, "minute": 22, "second": 30}
